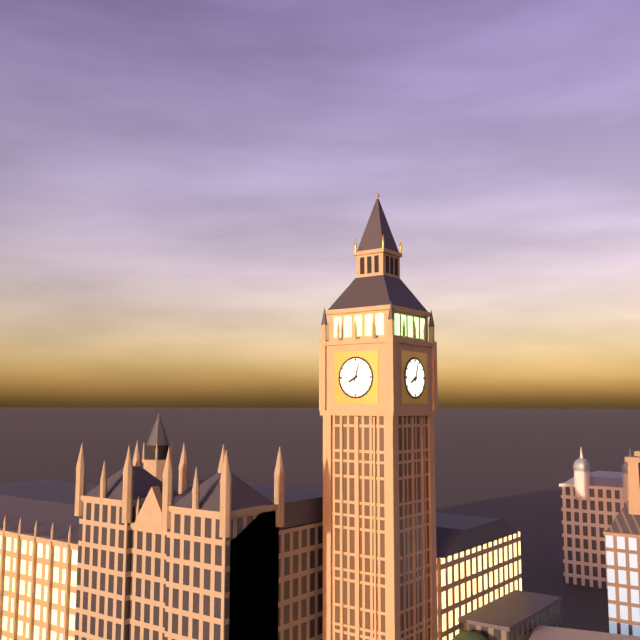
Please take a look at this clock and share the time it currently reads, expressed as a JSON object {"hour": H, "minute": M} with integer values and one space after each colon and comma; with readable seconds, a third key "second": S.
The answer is {"hour": 8, "minute": 3}
